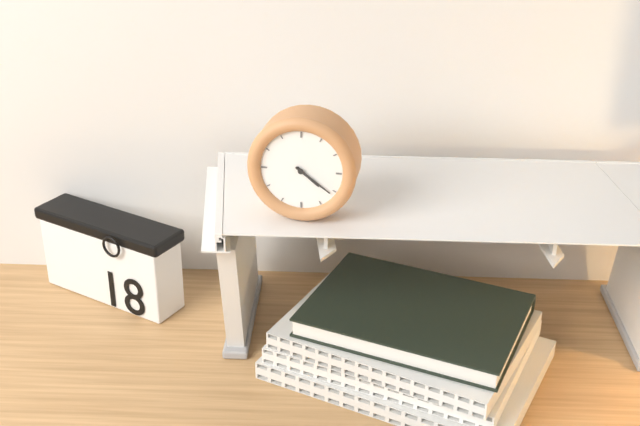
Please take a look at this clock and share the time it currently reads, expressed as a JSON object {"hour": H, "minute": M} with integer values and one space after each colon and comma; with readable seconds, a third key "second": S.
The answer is {"hour": 4, "minute": 21}
